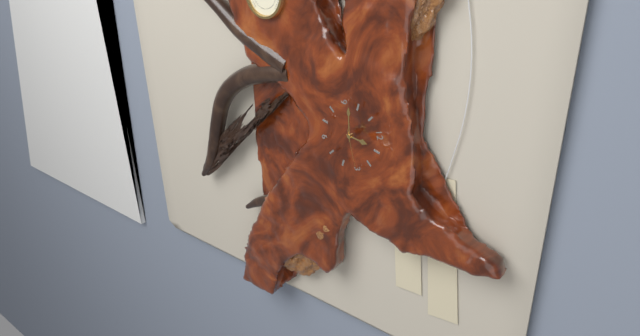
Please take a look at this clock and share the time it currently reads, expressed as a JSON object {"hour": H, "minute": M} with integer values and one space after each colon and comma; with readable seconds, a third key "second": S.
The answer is {"hour": 12, "minute": 47}
